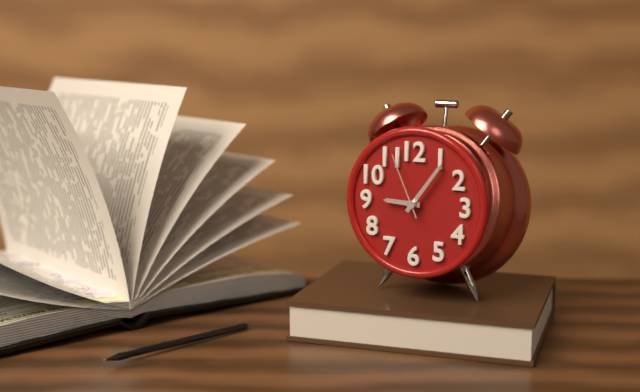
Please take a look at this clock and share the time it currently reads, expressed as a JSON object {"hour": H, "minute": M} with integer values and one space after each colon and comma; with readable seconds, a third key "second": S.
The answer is {"hour": 9, "minute": 6, "second": 56}
